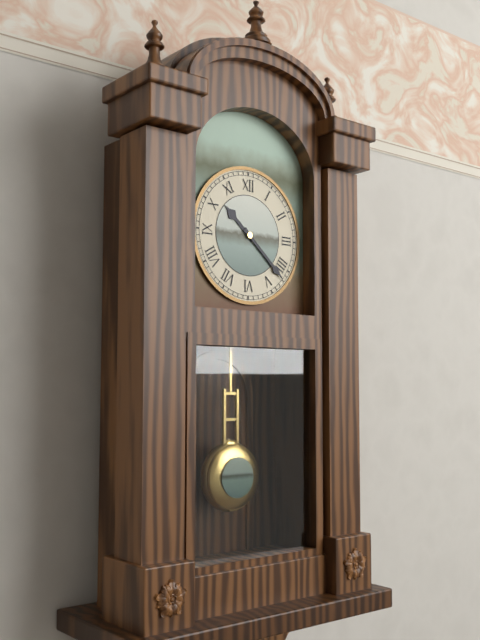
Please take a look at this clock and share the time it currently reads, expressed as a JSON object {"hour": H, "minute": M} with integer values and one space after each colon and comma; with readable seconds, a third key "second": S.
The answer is {"hour": 10, "minute": 22}
